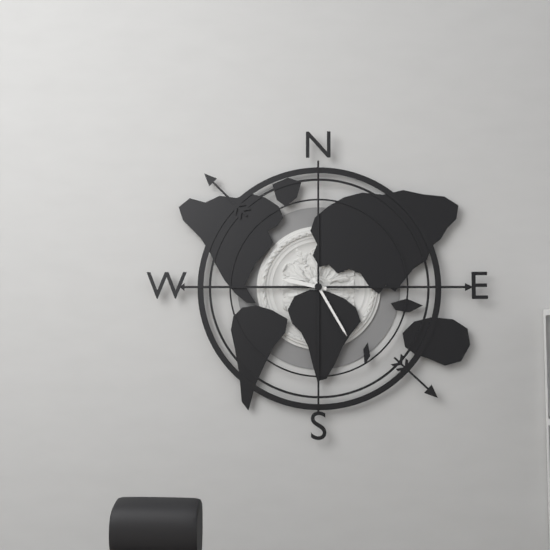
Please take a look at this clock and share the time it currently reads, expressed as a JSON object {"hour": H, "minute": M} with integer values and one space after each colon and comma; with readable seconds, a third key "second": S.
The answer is {"hour": 9, "minute": 25}
